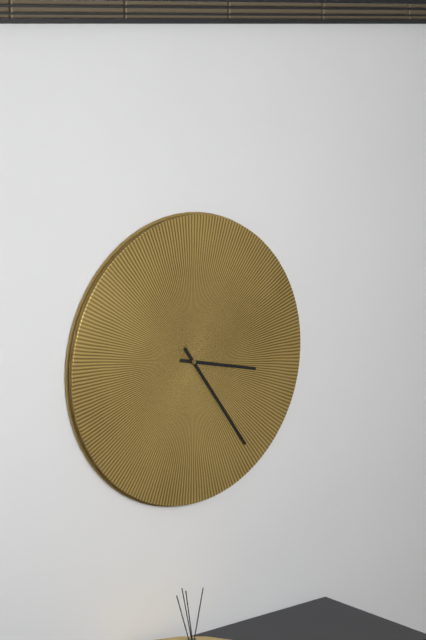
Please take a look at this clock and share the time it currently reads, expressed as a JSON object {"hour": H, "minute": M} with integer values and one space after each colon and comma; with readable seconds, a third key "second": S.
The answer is {"hour": 3, "minute": 24}
